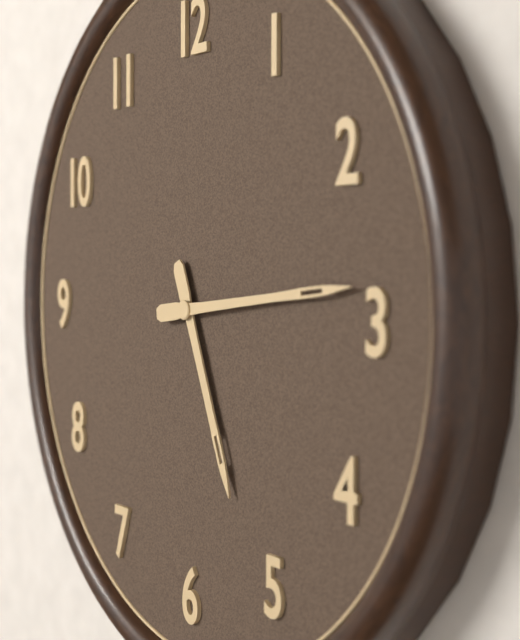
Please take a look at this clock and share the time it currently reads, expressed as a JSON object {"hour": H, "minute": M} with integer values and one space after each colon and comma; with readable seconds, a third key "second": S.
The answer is {"hour": 5, "minute": 14}
